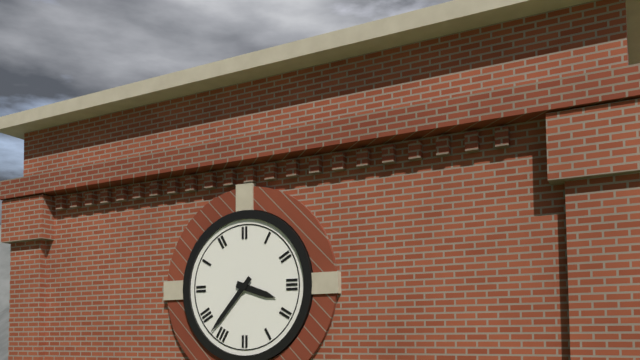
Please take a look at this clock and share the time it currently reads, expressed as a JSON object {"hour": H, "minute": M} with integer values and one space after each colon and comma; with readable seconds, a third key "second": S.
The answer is {"hour": 3, "minute": 37}
